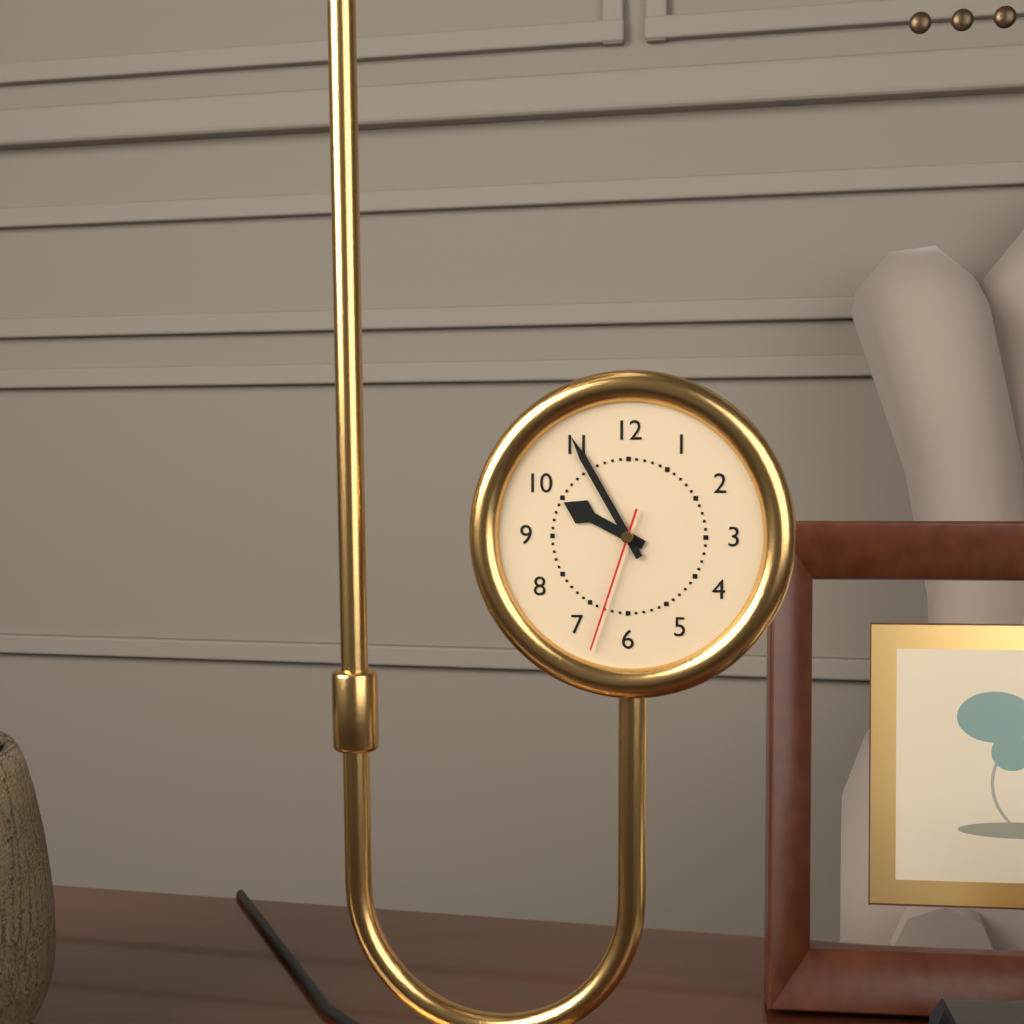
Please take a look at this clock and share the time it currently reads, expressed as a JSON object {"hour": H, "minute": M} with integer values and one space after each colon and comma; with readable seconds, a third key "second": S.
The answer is {"hour": 9, "minute": 55, "second": 33}
